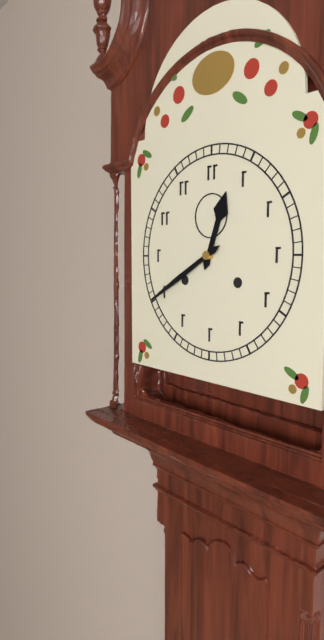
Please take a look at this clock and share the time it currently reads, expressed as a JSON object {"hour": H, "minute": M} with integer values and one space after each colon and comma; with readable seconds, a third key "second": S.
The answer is {"hour": 12, "minute": 40}
